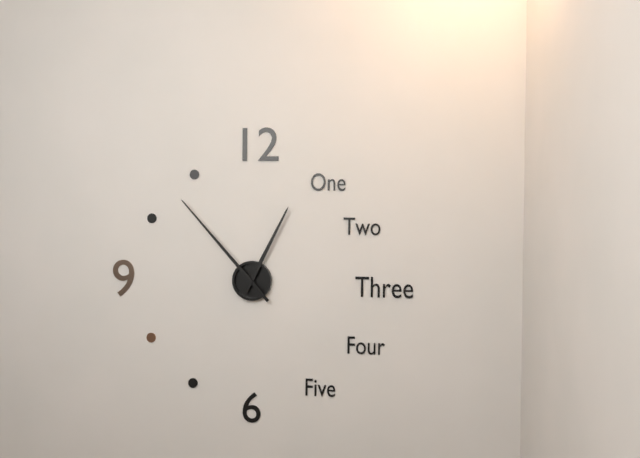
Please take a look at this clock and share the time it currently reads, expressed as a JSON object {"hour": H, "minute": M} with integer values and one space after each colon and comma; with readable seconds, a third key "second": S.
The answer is {"hour": 12, "minute": 53}
